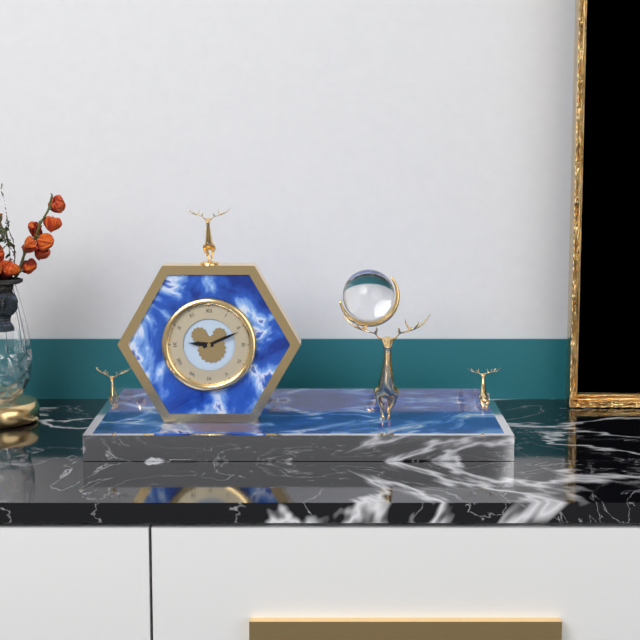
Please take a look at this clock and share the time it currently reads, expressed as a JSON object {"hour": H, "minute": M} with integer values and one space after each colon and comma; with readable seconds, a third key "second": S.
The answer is {"hour": 9, "minute": 11}
